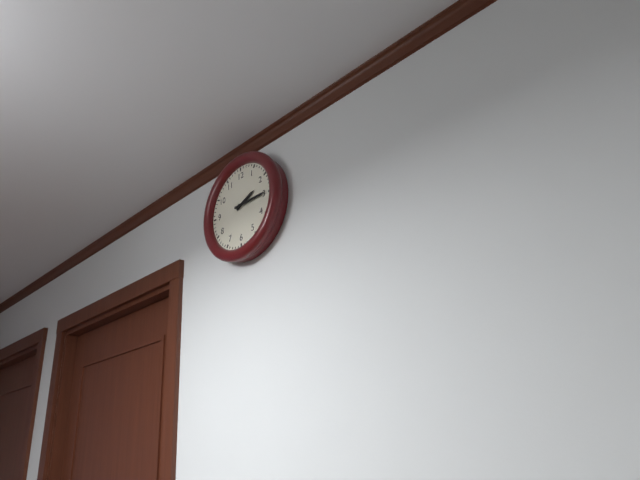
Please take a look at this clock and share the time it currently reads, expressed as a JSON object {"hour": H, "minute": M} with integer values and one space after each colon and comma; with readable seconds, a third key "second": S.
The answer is {"hour": 2, "minute": 15}
